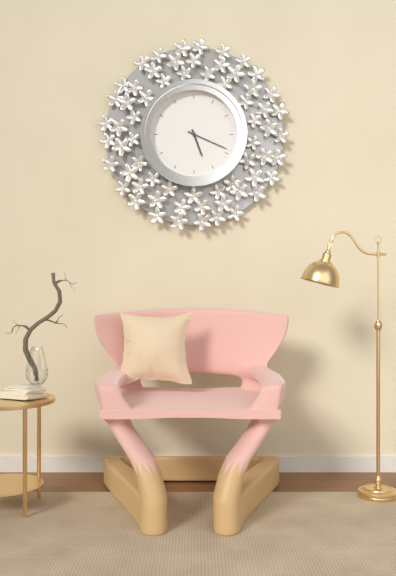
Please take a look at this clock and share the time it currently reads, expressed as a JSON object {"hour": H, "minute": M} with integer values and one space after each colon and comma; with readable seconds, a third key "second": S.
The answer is {"hour": 5, "minute": 19}
